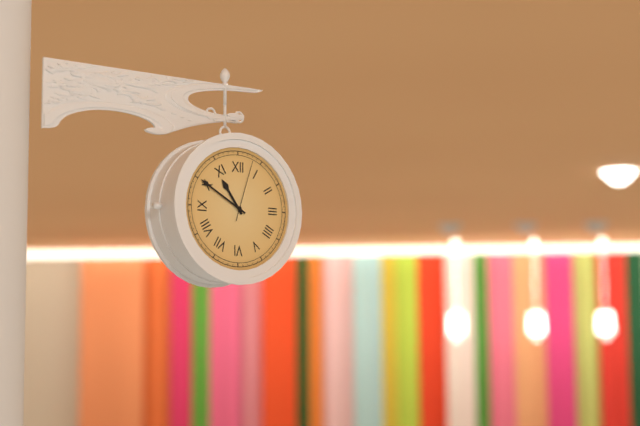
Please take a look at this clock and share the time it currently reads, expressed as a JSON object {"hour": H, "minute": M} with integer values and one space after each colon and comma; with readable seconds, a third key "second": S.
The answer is {"hour": 10, "minute": 50, "second": 3}
